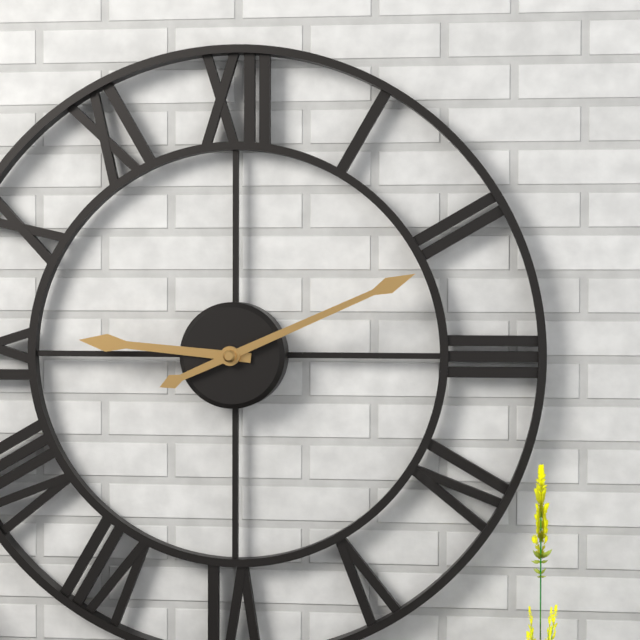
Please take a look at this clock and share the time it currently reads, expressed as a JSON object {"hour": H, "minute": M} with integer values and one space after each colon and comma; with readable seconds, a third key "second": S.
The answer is {"hour": 9, "minute": 11}
